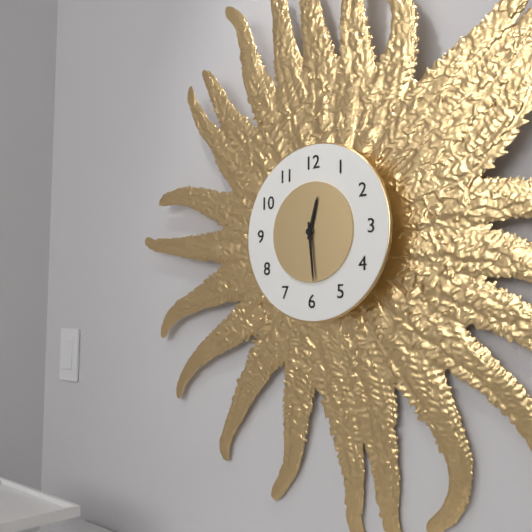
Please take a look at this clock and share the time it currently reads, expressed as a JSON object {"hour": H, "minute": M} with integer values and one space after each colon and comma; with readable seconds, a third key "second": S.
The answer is {"hour": 12, "minute": 29}
